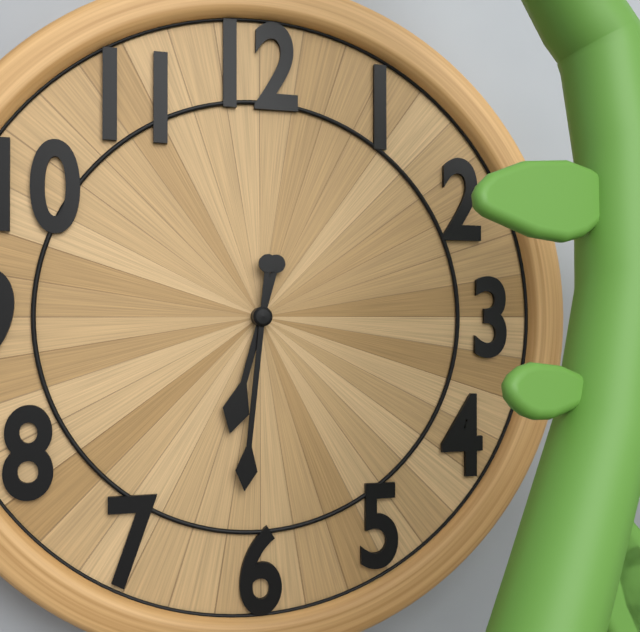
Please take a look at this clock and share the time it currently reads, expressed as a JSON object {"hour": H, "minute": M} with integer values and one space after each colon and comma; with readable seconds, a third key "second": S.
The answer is {"hour": 6, "minute": 31}
